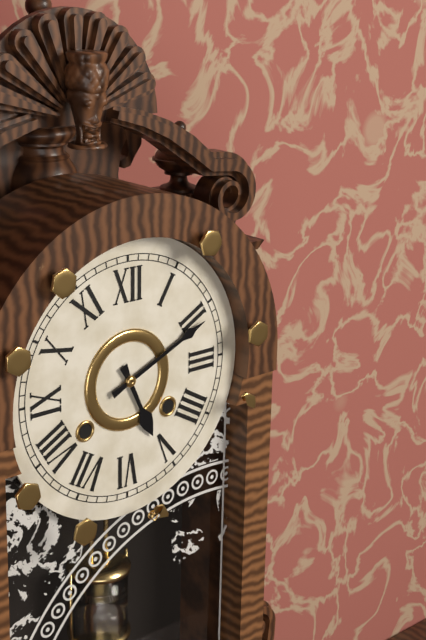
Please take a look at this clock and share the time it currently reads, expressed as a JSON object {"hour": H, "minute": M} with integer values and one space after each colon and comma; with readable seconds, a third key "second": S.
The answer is {"hour": 5, "minute": 11}
